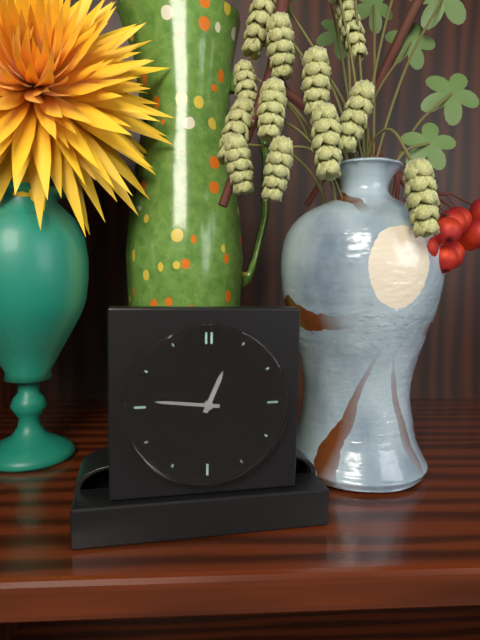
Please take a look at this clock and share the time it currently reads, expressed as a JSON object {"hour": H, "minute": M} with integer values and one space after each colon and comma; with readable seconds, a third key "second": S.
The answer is {"hour": 12, "minute": 46}
